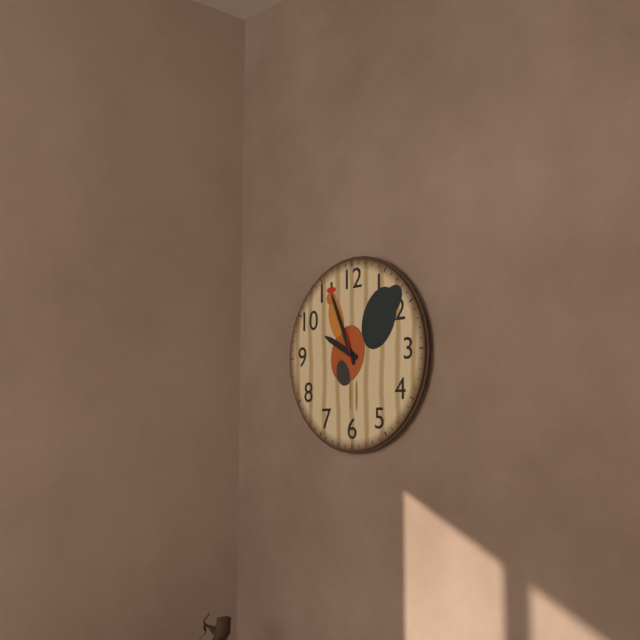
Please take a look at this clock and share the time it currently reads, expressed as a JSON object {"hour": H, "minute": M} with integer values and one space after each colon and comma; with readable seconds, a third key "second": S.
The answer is {"hour": 9, "minute": 56}
